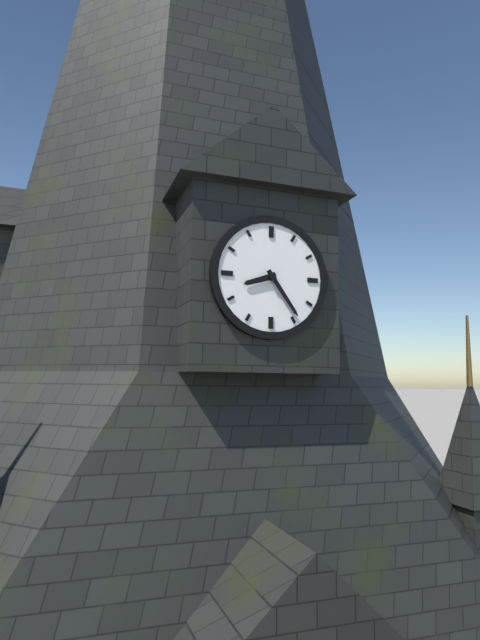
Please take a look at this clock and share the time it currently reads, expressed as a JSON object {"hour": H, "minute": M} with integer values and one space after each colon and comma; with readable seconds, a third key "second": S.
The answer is {"hour": 8, "minute": 24}
